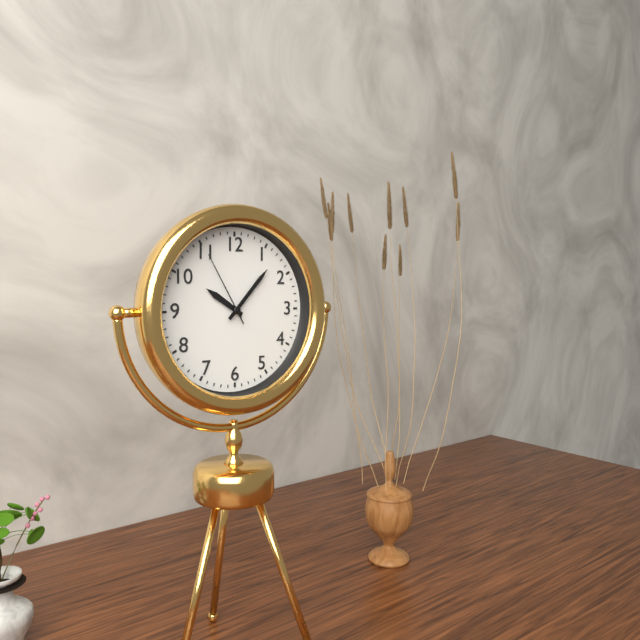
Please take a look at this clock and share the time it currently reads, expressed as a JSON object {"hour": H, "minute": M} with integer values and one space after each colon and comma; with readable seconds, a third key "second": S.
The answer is {"hour": 10, "minute": 7, "second": 55}
